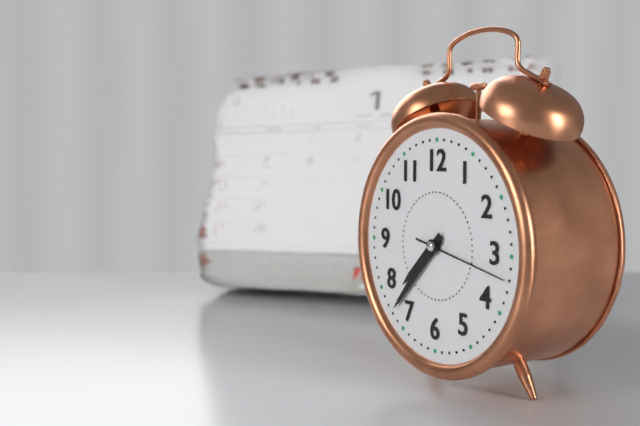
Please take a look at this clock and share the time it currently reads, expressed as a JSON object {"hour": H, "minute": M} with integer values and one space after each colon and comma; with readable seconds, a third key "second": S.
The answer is {"hour": 7, "minute": 37, "second": 17}
